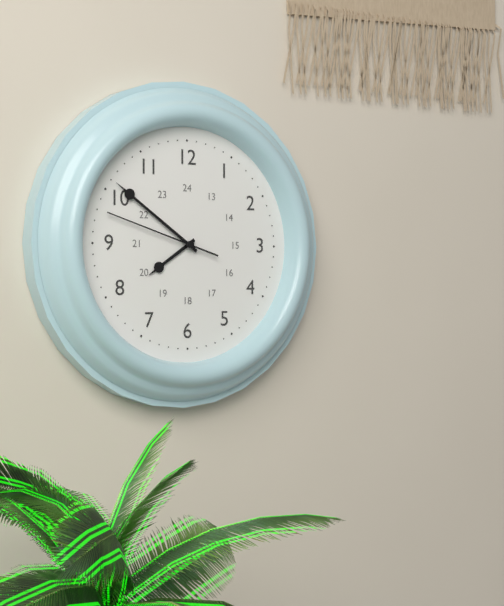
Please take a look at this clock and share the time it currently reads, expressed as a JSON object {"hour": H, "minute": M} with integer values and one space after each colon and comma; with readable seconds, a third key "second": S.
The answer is {"hour": 7, "minute": 51, "second": 48}
